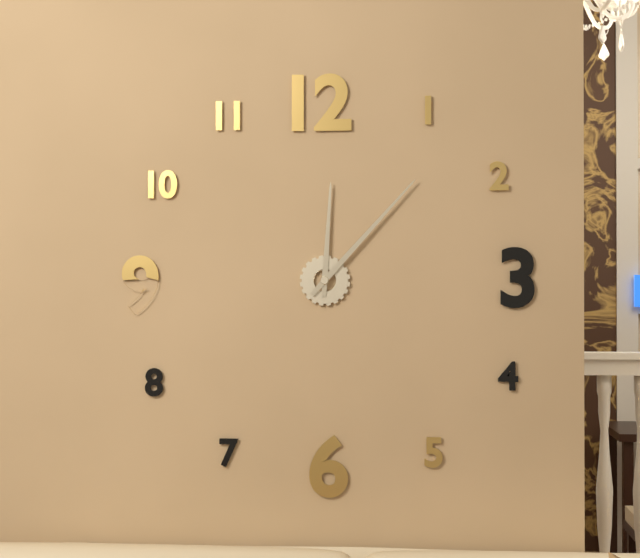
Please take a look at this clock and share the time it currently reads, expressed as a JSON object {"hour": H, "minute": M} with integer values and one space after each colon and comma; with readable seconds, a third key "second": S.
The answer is {"hour": 12, "minute": 7}
